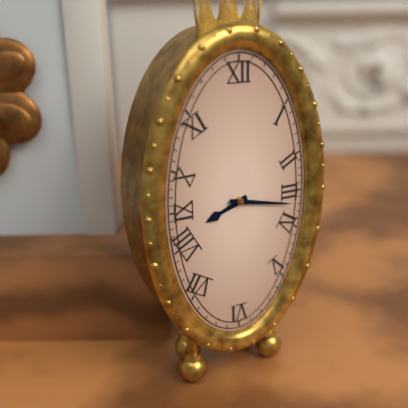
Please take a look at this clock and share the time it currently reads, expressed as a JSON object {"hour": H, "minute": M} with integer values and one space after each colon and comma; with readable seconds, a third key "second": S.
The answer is {"hour": 8, "minute": 17}
